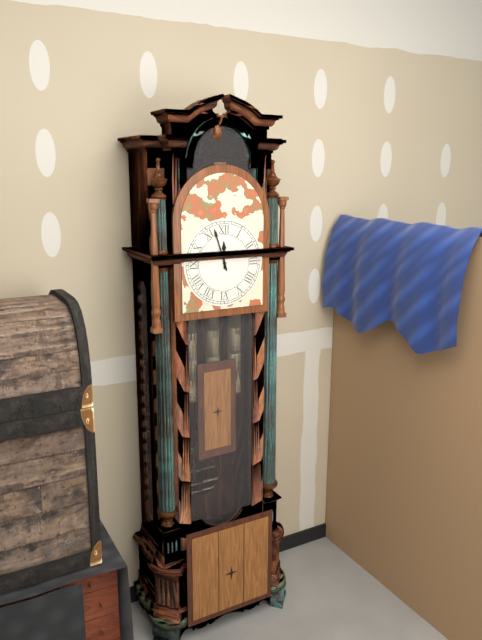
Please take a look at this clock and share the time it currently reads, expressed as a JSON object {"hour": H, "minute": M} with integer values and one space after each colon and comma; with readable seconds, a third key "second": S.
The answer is {"hour": 11, "minute": 57}
